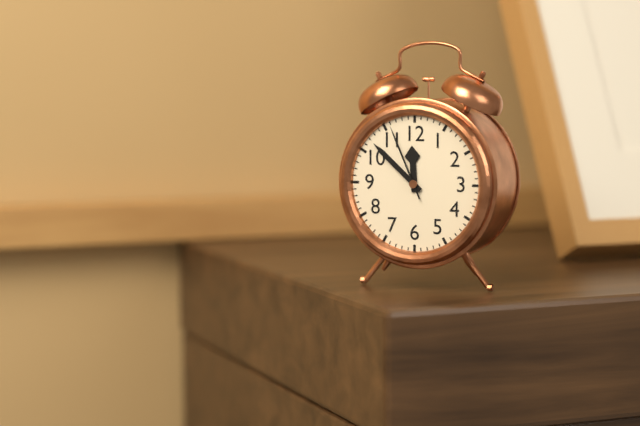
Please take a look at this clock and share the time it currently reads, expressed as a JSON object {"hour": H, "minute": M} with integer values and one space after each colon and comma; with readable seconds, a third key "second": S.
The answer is {"hour": 11, "minute": 52, "second": 56}
